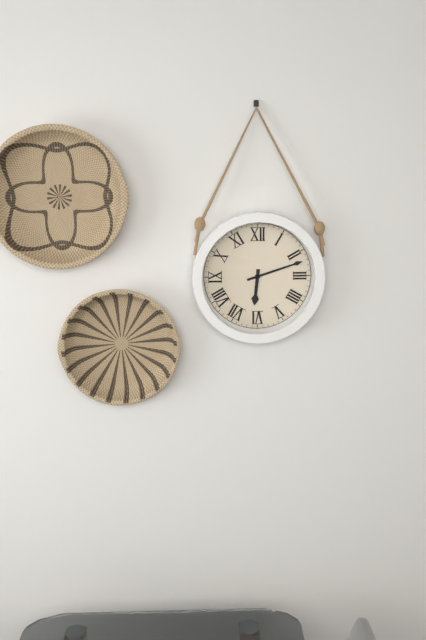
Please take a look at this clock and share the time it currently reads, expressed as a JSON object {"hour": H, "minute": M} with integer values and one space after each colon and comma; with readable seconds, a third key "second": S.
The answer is {"hour": 6, "minute": 12}
